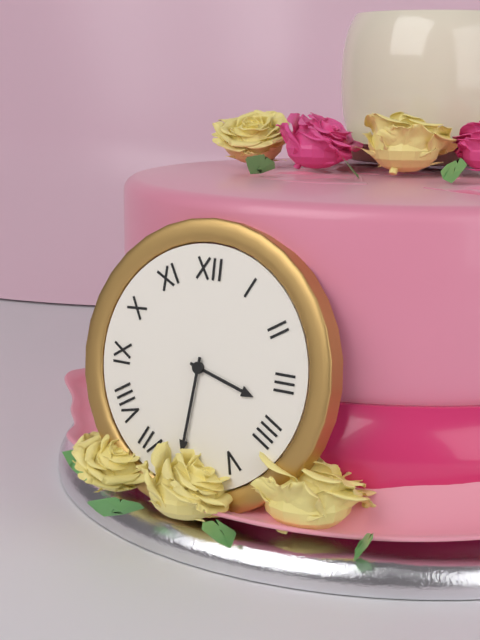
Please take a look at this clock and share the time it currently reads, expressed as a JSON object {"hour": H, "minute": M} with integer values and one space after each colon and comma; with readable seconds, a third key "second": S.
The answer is {"hour": 3, "minute": 31}
